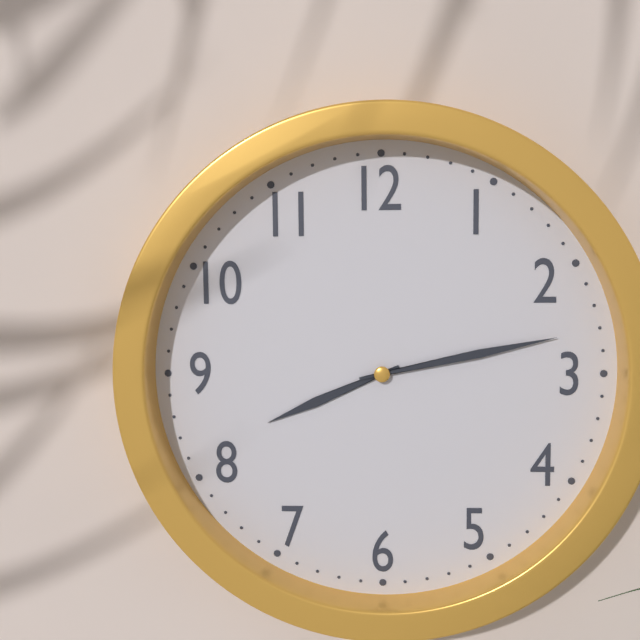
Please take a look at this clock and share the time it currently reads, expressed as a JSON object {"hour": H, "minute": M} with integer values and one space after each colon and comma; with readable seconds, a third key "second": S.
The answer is {"hour": 8, "minute": 13}
